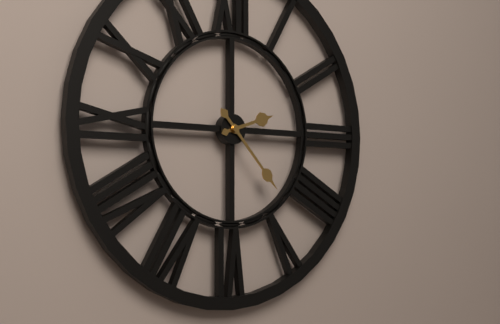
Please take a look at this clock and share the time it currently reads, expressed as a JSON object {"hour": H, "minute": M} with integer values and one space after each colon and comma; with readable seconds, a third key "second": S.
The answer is {"hour": 2, "minute": 23}
